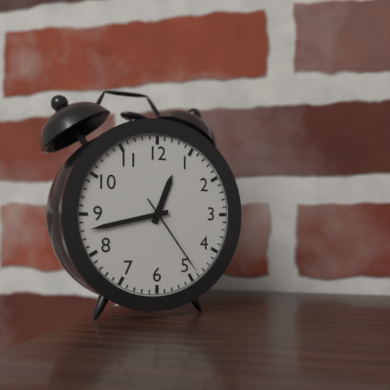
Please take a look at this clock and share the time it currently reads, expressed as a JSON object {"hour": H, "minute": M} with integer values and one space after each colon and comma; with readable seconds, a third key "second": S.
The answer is {"hour": 12, "minute": 43, "second": 24}
